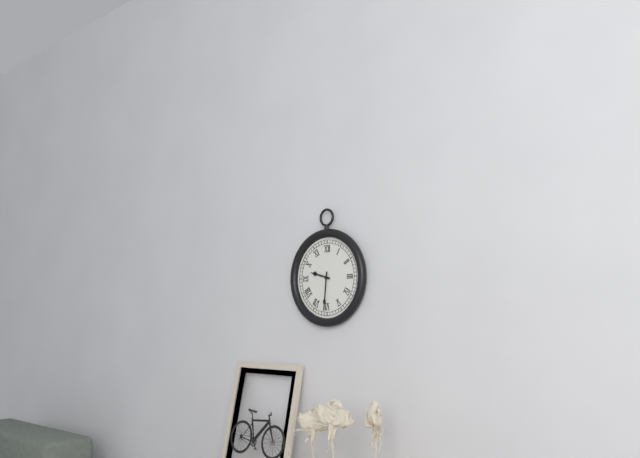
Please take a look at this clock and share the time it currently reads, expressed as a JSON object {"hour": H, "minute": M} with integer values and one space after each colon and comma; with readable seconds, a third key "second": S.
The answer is {"hour": 9, "minute": 31}
